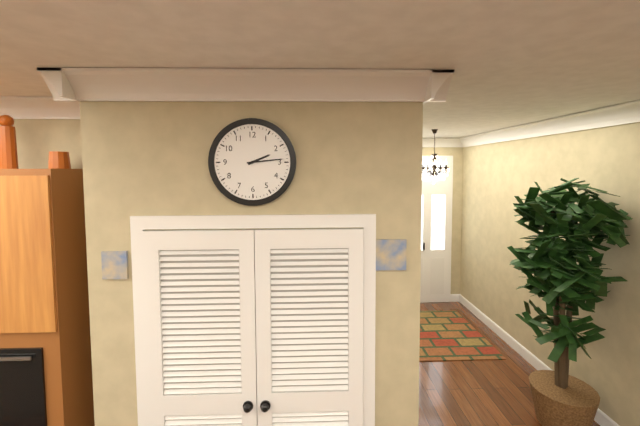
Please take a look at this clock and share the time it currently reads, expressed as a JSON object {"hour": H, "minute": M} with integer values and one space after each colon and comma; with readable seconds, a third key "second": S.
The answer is {"hour": 2, "minute": 14}
